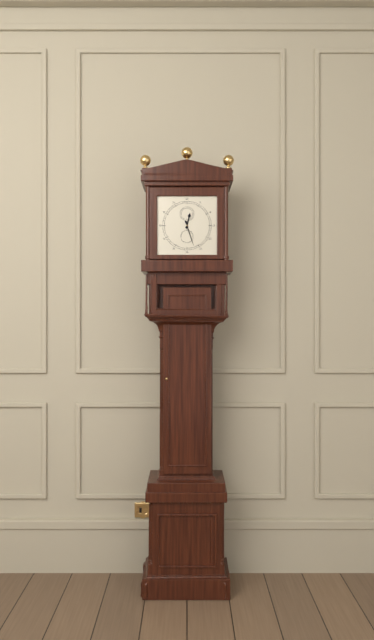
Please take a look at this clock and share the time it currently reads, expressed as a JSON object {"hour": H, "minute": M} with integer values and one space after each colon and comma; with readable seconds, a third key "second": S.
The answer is {"hour": 12, "minute": 27}
